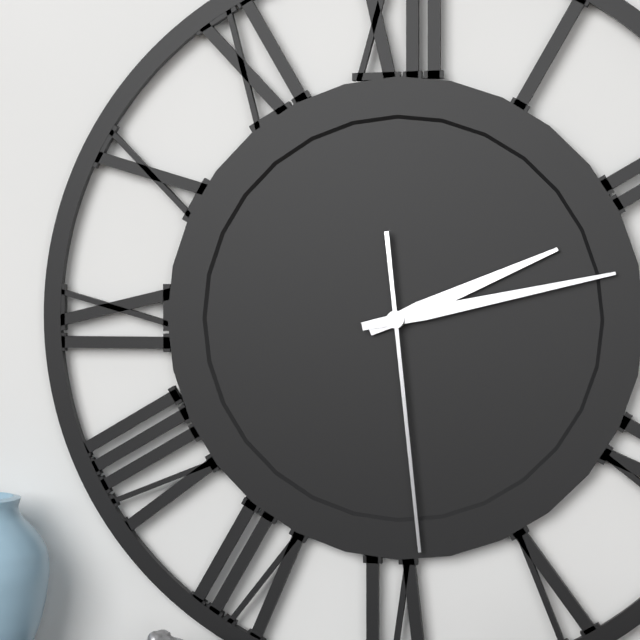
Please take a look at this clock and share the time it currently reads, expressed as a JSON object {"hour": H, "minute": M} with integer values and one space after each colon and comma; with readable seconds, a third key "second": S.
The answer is {"hour": 2, "minute": 13, "second": 29}
